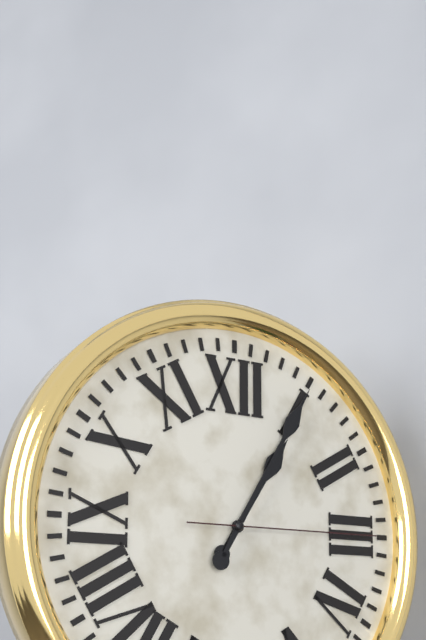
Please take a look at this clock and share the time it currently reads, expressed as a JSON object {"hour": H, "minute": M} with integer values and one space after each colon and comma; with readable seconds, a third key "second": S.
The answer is {"hour": 1, "minute": 5, "second": 15}
